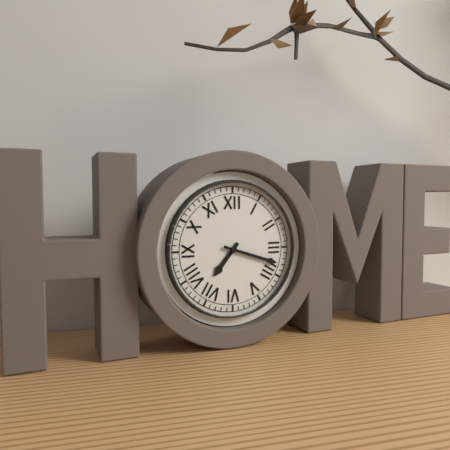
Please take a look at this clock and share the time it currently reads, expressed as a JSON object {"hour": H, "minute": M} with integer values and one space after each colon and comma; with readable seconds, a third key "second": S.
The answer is {"hour": 7, "minute": 18}
